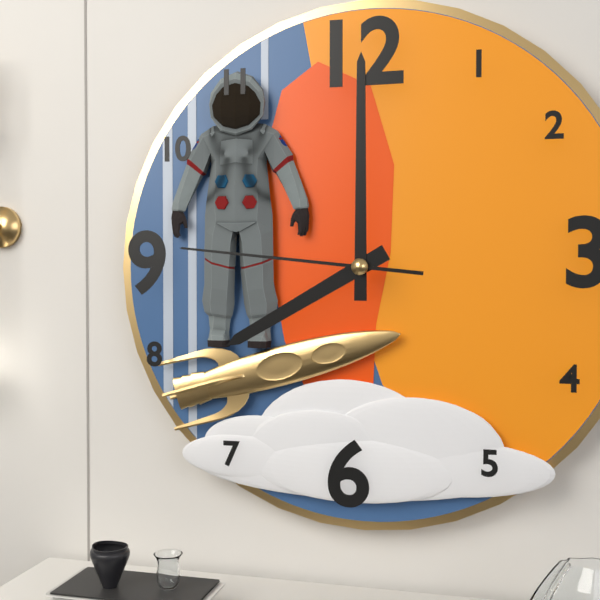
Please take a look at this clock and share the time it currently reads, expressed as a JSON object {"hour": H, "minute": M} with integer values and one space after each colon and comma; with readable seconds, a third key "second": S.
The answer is {"hour": 8, "minute": 0, "second": 46}
